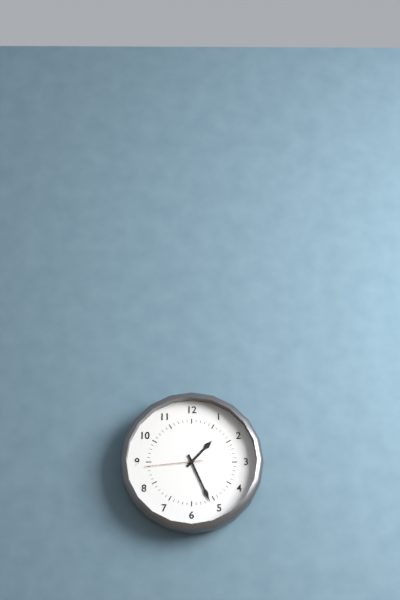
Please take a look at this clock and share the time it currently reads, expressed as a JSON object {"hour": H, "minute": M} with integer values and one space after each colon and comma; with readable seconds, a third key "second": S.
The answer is {"hour": 1, "minute": 26, "second": 44}
